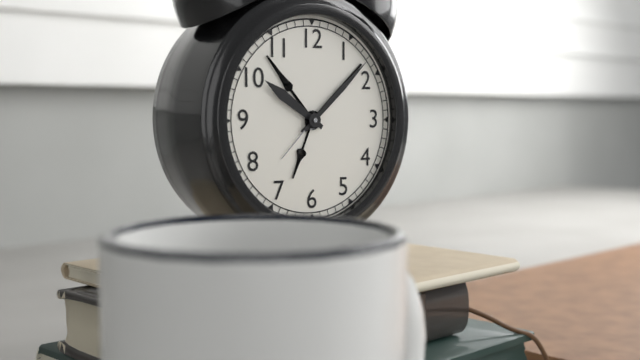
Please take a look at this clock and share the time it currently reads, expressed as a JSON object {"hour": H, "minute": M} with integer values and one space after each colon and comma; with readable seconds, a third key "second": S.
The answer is {"hour": 10, "minute": 8}
